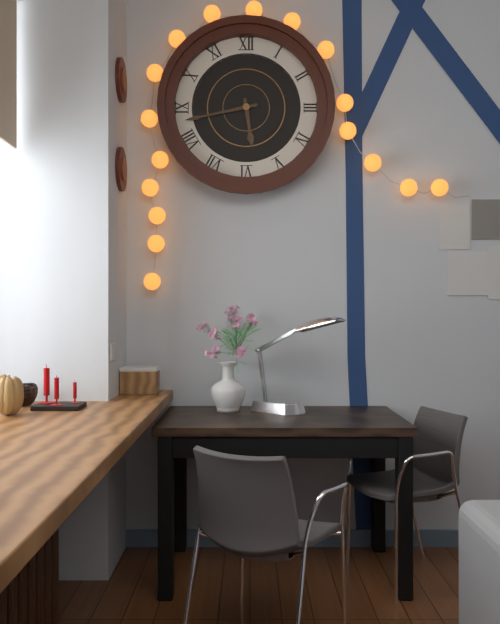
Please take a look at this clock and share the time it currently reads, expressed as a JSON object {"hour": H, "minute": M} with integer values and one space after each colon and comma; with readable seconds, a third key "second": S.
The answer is {"hour": 5, "minute": 43}
